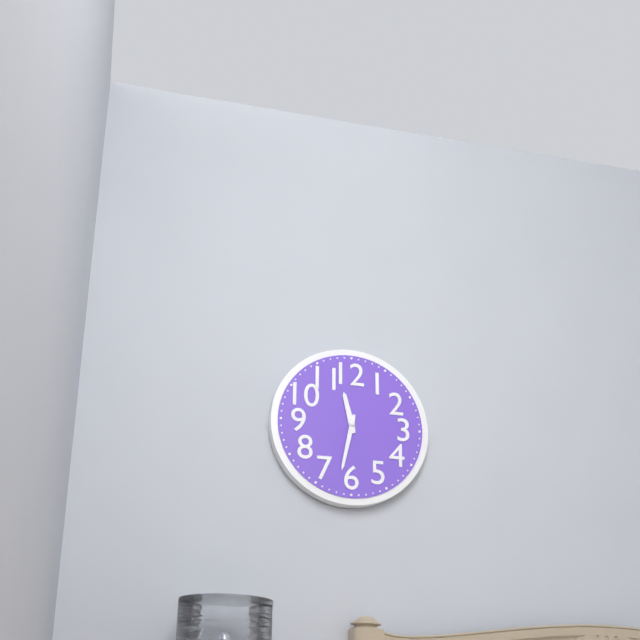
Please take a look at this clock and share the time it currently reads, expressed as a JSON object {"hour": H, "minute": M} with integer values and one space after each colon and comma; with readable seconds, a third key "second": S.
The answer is {"hour": 11, "minute": 32}
